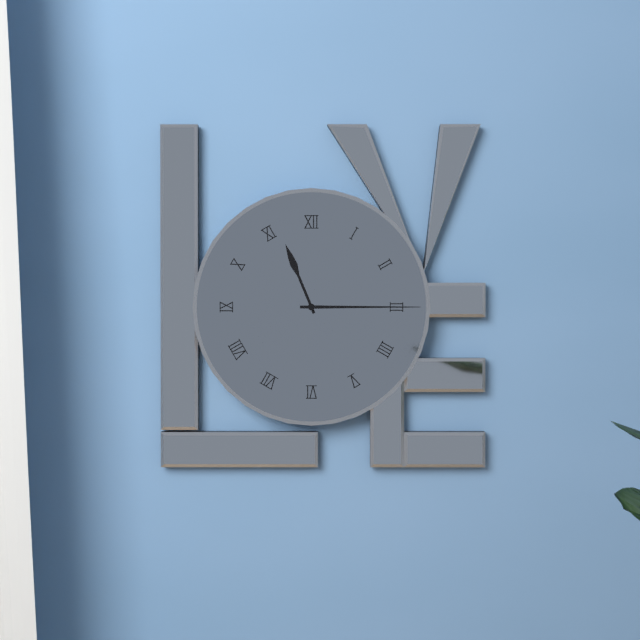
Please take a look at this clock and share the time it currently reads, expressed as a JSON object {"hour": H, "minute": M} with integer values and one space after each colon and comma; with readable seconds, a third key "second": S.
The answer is {"hour": 11, "minute": 15}
